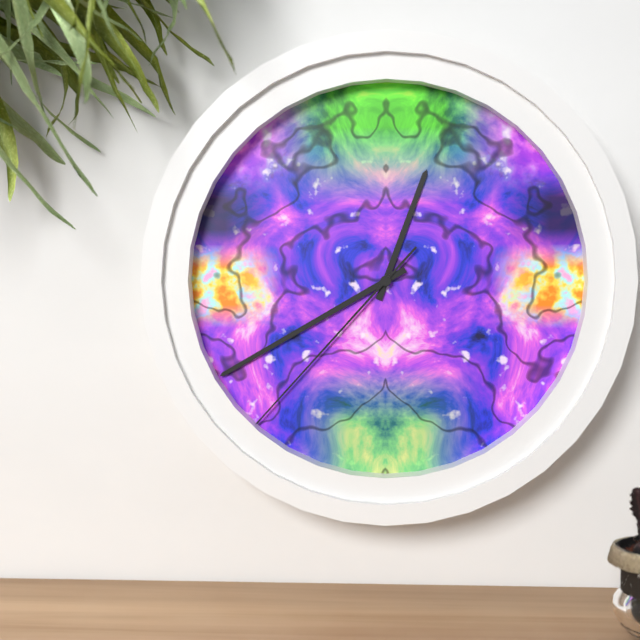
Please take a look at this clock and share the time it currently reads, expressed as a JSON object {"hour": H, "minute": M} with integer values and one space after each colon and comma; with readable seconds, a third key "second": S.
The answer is {"hour": 12, "minute": 40, "second": 37}
